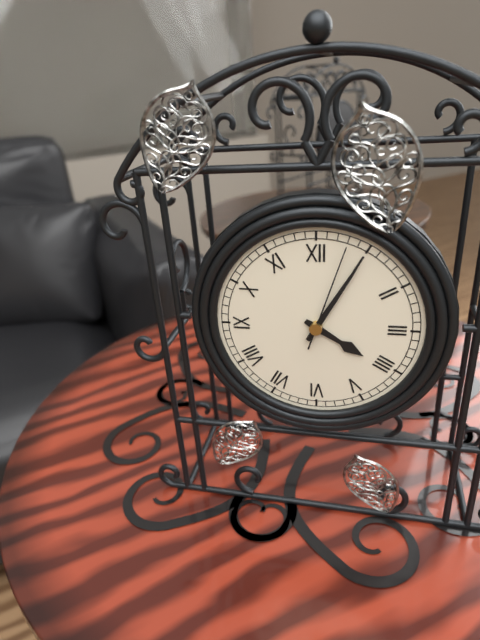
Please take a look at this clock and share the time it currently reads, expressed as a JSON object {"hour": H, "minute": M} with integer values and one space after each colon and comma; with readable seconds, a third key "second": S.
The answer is {"hour": 4, "minute": 5, "second": 3}
